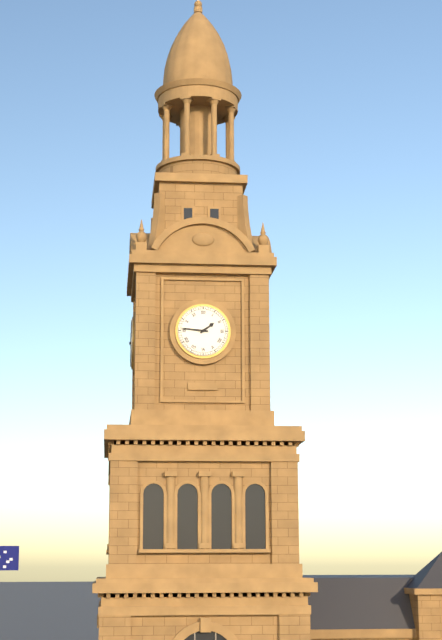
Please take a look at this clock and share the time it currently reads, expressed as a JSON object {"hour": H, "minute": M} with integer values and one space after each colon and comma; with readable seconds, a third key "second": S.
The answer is {"hour": 1, "minute": 46}
